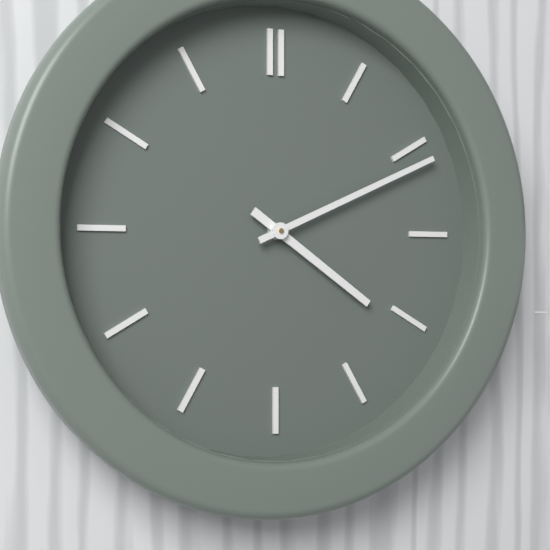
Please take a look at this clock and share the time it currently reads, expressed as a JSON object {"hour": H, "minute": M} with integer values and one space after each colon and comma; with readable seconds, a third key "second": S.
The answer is {"hour": 4, "minute": 11}
